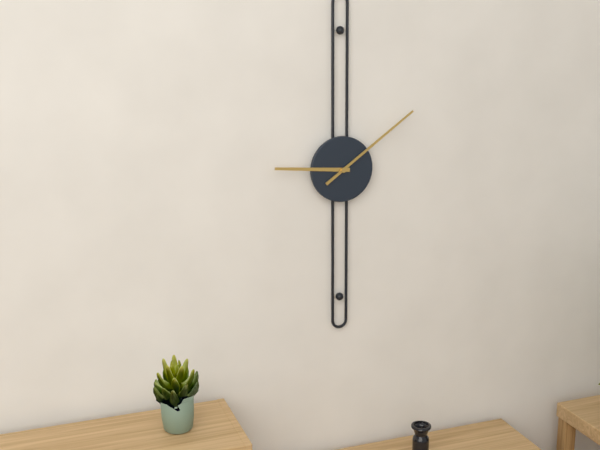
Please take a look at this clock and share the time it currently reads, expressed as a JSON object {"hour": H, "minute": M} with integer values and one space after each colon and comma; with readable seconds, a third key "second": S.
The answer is {"hour": 9, "minute": 9}
